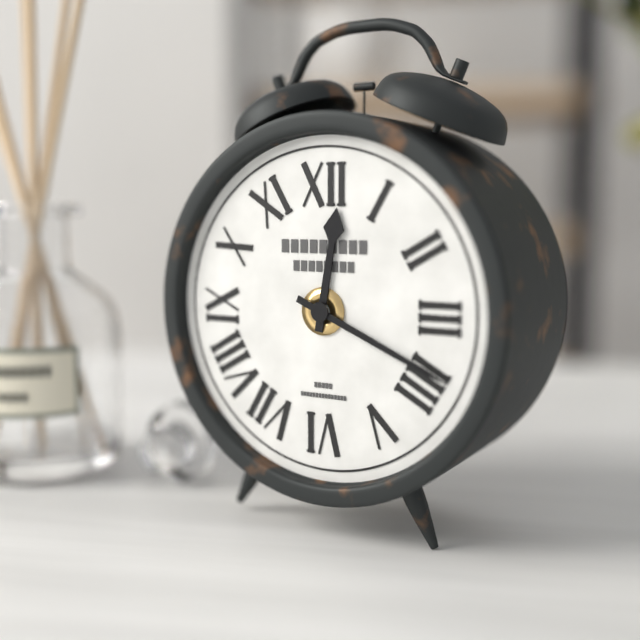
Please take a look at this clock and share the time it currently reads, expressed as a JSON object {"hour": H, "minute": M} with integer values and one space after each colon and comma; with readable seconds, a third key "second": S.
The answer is {"hour": 12, "minute": 19}
